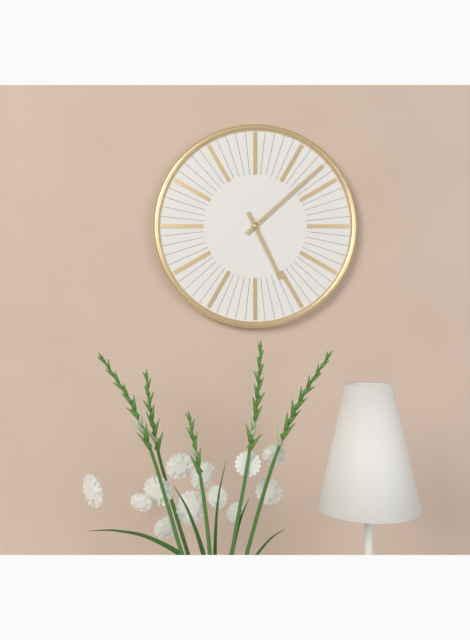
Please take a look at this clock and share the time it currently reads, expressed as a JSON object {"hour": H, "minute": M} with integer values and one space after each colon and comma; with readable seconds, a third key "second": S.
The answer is {"hour": 5, "minute": 8}
